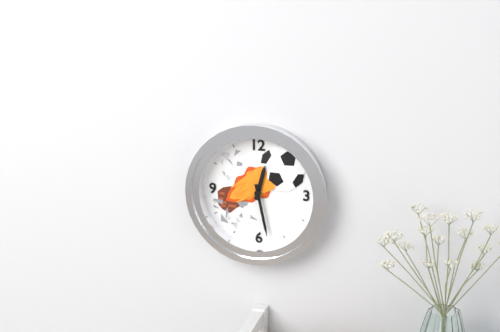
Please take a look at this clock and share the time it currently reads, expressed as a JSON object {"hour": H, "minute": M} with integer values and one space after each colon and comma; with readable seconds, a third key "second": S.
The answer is {"hour": 12, "minute": 28}
